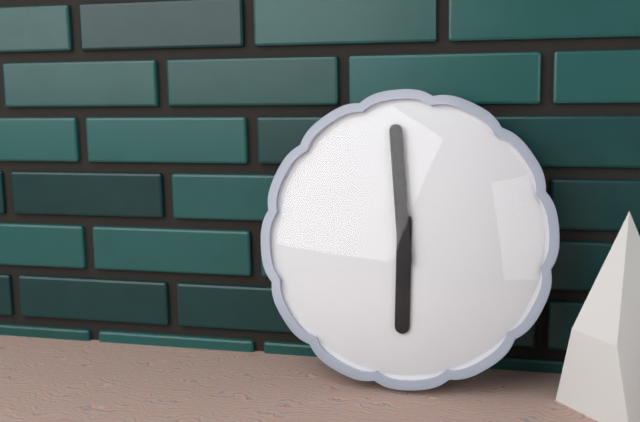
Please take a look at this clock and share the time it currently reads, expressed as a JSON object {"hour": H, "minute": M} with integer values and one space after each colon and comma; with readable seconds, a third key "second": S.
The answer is {"hour": 5, "minute": 59}
